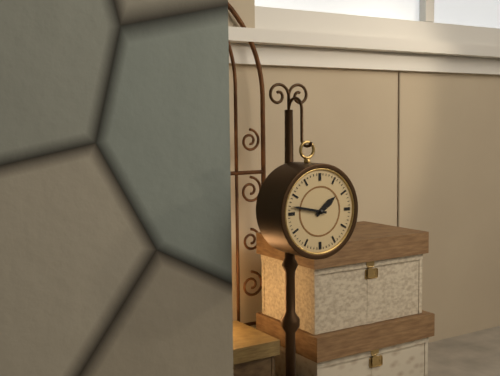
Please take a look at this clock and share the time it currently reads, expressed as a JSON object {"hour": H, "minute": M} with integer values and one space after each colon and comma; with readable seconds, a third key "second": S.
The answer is {"hour": 1, "minute": 47}
